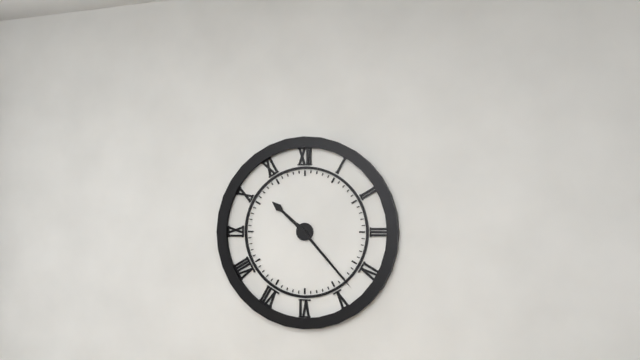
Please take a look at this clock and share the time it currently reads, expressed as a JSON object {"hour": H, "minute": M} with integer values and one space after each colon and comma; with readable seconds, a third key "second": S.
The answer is {"hour": 10, "minute": 23}
